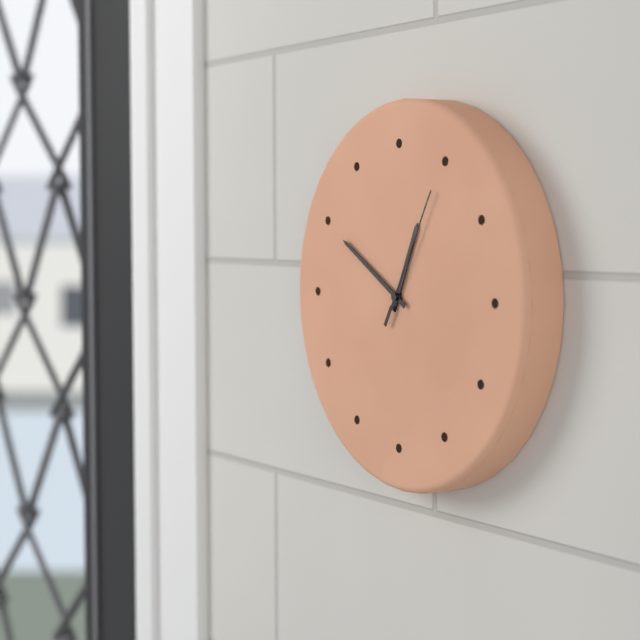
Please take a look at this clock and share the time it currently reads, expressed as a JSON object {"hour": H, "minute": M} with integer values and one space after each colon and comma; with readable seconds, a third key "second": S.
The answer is {"hour": 12, "minute": 50, "second": 5}
